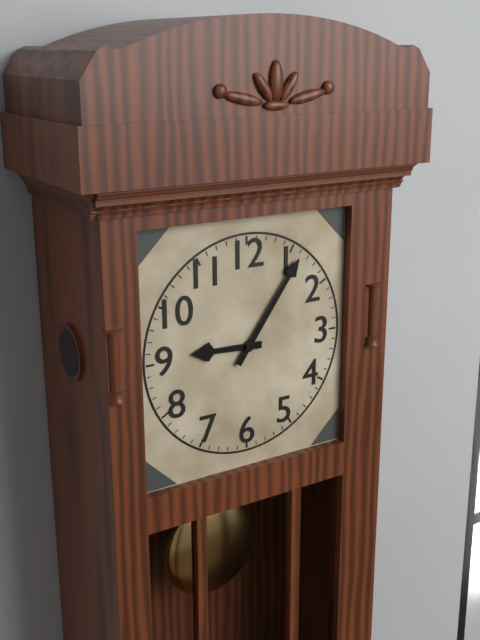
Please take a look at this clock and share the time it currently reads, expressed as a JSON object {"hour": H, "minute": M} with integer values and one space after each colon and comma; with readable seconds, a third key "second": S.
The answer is {"hour": 9, "minute": 6}
